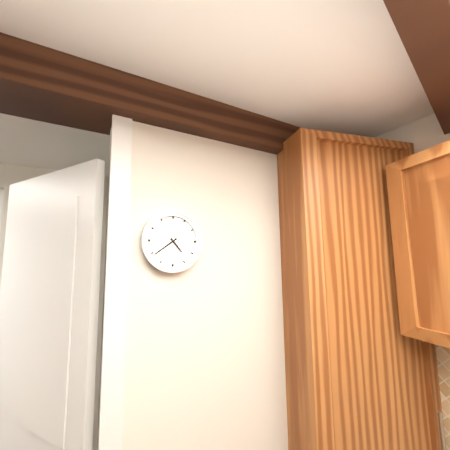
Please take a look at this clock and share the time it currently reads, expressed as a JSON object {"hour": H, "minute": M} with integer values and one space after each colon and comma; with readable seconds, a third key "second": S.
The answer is {"hour": 4, "minute": 39}
